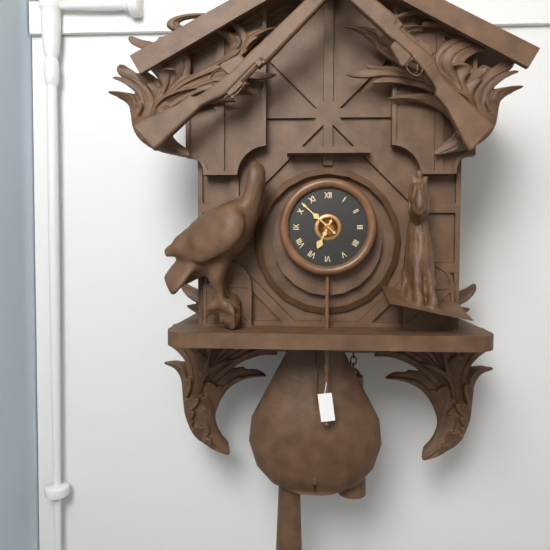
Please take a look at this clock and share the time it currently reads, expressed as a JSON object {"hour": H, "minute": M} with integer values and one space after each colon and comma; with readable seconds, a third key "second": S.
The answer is {"hour": 6, "minute": 52}
